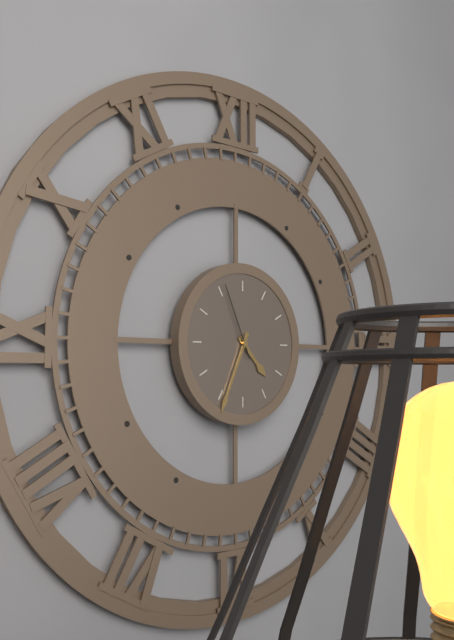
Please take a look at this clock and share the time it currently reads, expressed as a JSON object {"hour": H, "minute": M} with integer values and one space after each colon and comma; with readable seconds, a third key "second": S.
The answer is {"hour": 4, "minute": 34, "second": 56}
